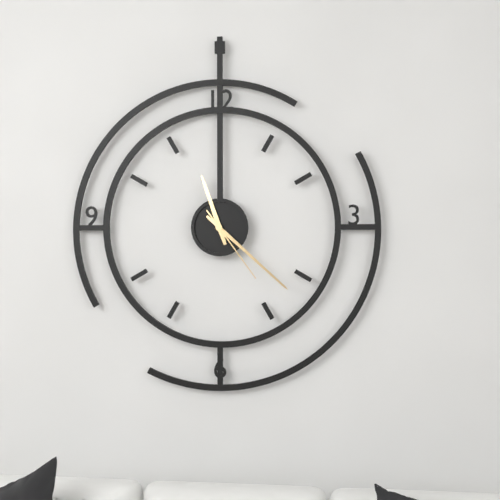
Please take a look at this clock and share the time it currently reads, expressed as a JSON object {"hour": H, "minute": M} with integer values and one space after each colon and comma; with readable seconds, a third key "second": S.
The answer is {"hour": 11, "minute": 22, "second": 24}
